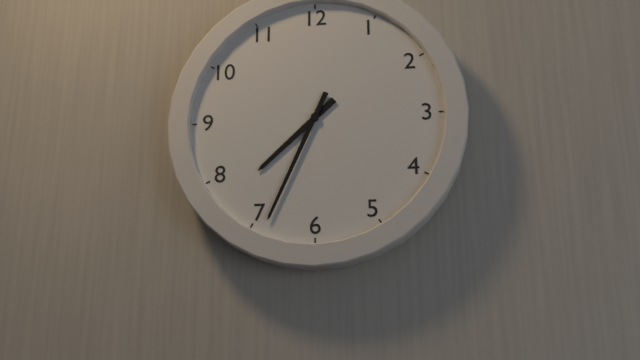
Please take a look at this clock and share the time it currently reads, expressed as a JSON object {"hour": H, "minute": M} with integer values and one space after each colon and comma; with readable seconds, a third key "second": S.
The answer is {"hour": 7, "minute": 34}
